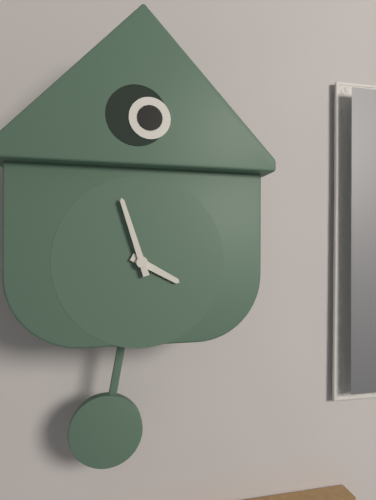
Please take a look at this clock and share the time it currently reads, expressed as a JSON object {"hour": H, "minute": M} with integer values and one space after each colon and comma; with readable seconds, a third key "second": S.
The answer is {"hour": 3, "minute": 57}
